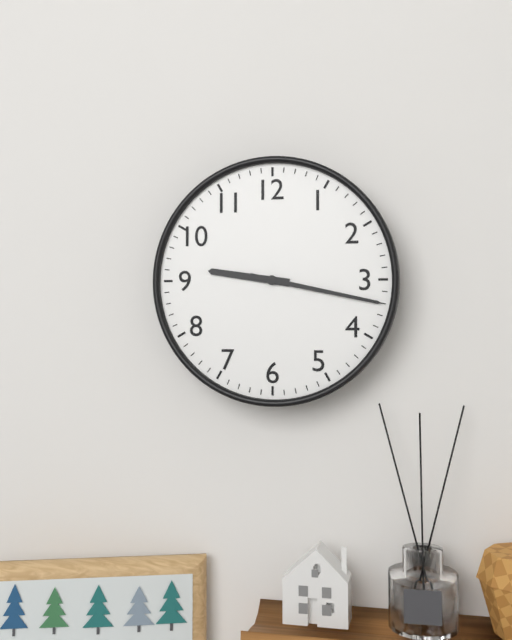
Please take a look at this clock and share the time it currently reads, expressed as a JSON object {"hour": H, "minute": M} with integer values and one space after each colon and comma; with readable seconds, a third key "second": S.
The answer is {"hour": 9, "minute": 17}
